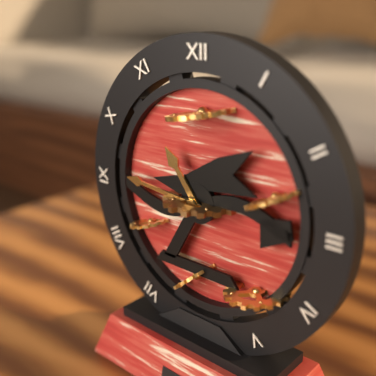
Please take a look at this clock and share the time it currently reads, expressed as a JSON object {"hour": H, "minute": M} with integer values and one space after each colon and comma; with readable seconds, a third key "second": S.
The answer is {"hour": 10, "minute": 46}
